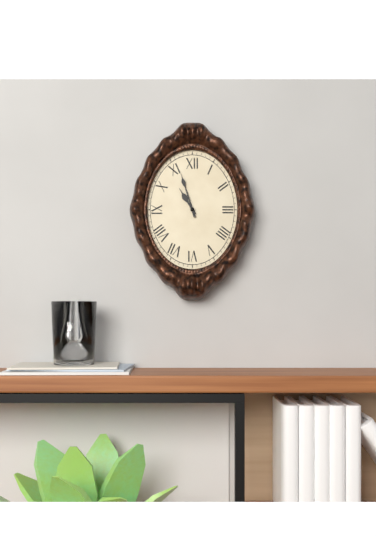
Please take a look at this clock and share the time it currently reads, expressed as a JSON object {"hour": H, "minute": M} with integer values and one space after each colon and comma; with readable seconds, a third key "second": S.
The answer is {"hour": 10, "minute": 57}
